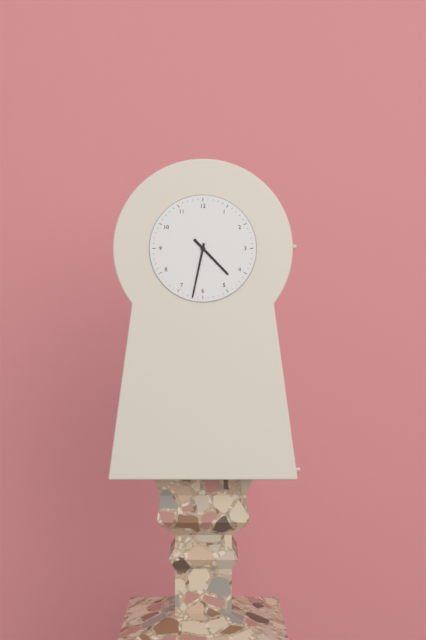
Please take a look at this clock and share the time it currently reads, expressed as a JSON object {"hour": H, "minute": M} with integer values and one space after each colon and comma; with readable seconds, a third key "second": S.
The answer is {"hour": 4, "minute": 32}
